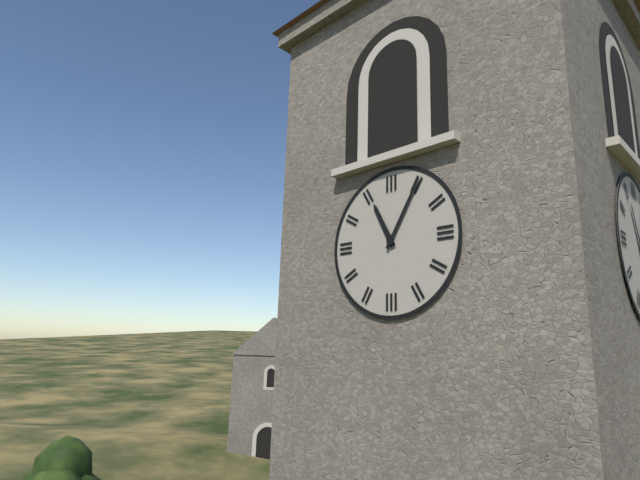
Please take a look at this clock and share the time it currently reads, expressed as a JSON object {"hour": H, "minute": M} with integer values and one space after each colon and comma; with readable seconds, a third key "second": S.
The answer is {"hour": 11, "minute": 5}
